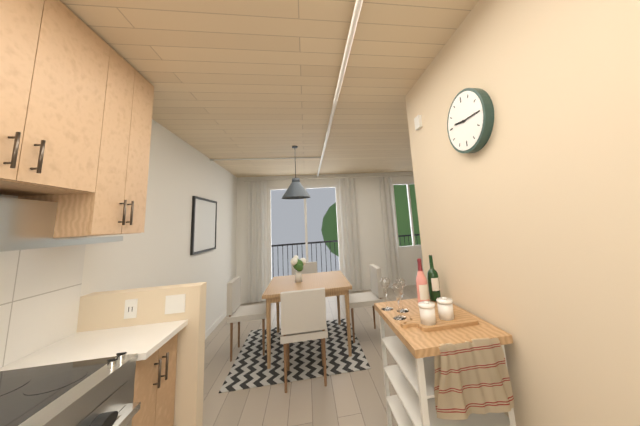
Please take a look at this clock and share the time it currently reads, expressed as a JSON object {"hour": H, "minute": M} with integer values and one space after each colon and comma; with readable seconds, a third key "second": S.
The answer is {"hour": 9, "minute": 15}
